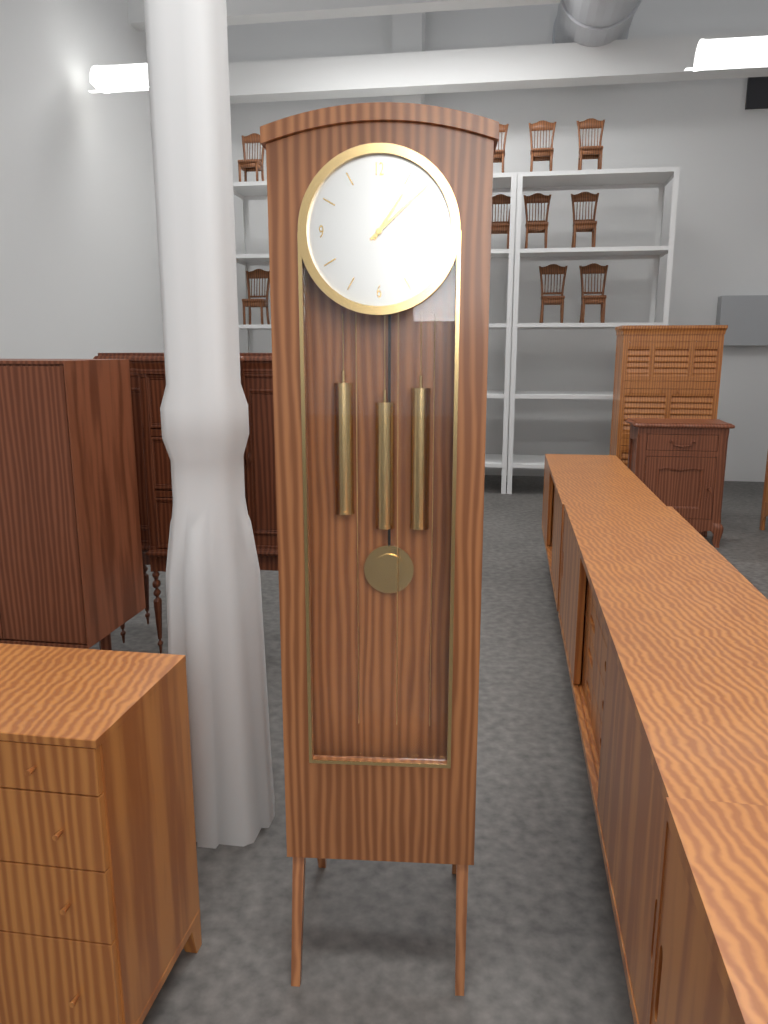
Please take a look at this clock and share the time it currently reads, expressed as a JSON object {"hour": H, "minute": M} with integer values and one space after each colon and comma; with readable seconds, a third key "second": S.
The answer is {"hour": 1, "minute": 8}
